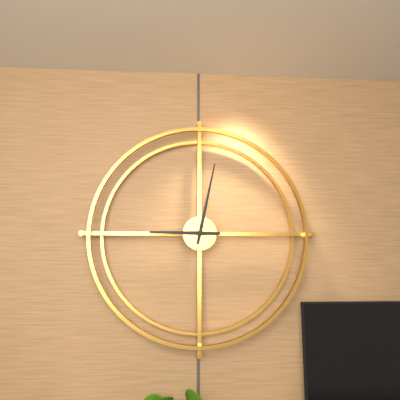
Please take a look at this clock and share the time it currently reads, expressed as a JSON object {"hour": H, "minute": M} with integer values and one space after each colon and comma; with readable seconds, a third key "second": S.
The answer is {"hour": 9, "minute": 2}
